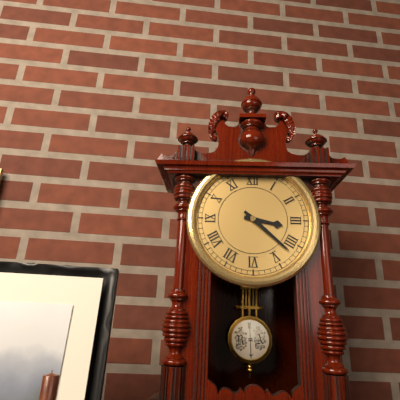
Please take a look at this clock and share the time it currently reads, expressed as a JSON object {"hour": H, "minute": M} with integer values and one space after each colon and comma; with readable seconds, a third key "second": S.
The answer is {"hour": 3, "minute": 22}
